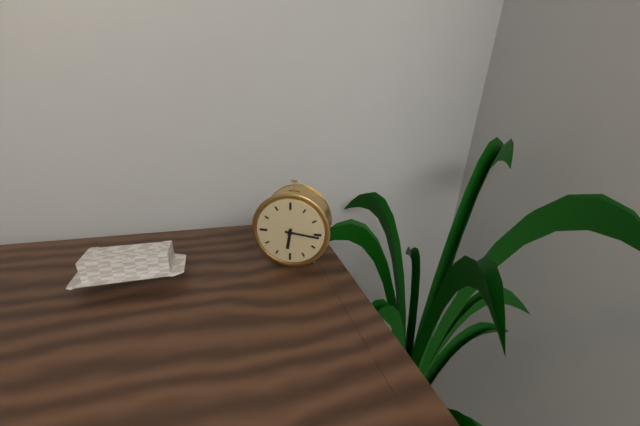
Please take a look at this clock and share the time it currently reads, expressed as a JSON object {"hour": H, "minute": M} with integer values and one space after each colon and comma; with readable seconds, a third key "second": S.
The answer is {"hour": 6, "minute": 16}
